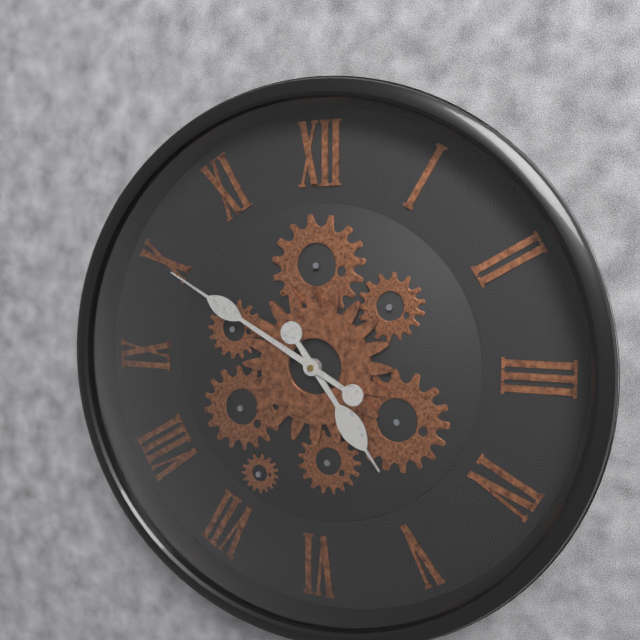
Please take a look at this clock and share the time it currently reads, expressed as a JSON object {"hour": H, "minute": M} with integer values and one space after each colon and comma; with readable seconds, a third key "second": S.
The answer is {"hour": 4, "minute": 50}
